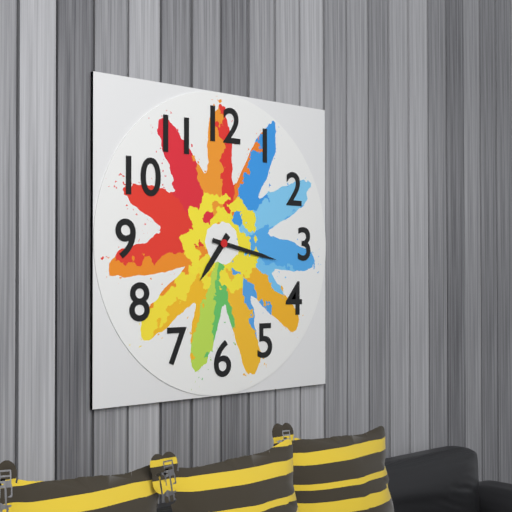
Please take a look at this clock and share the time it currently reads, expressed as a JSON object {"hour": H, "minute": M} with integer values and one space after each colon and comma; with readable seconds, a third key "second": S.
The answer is {"hour": 7, "minute": 17}
